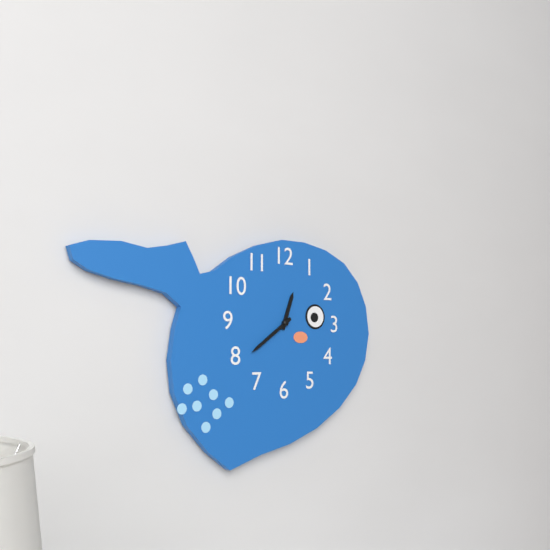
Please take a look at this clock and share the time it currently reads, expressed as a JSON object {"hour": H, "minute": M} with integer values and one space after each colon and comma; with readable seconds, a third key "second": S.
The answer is {"hour": 12, "minute": 39}
